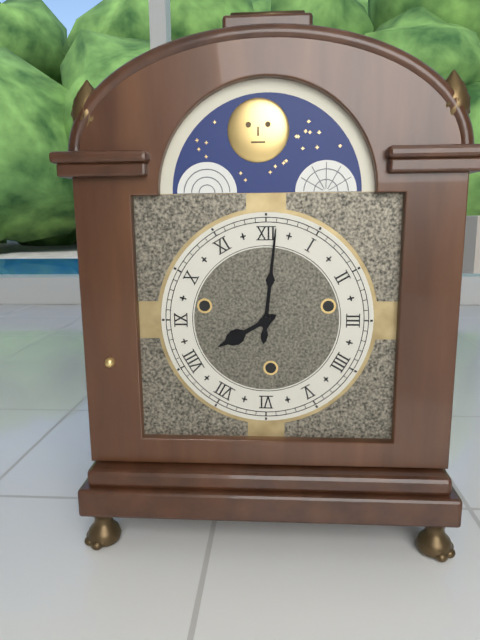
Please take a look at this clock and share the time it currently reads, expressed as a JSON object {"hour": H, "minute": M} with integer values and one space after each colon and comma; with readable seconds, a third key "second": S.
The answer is {"hour": 8, "minute": 1}
